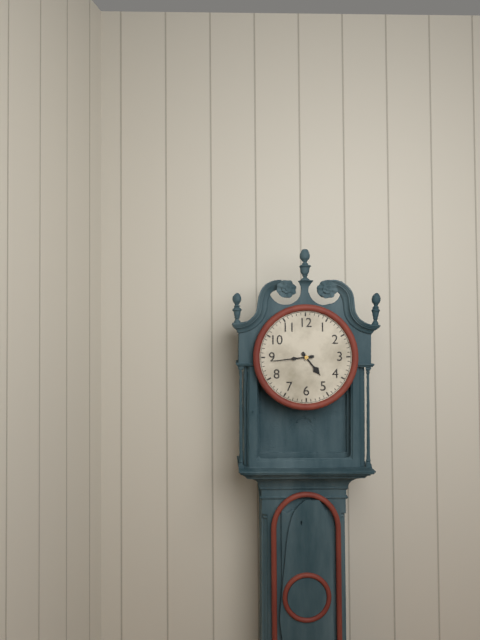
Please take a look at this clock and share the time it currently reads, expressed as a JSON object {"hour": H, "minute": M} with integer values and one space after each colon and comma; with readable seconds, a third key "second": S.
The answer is {"hour": 4, "minute": 44}
